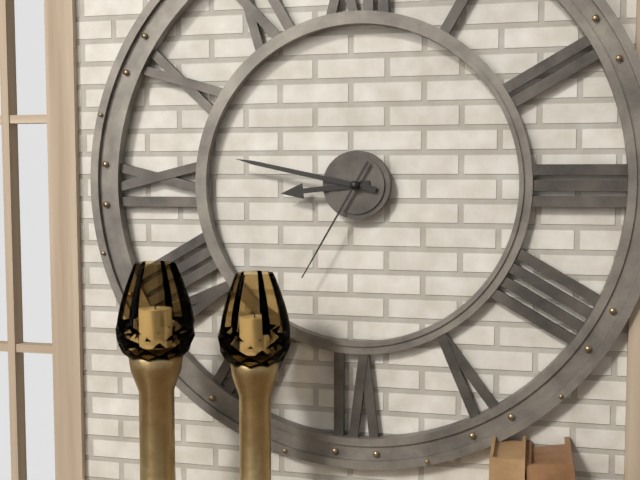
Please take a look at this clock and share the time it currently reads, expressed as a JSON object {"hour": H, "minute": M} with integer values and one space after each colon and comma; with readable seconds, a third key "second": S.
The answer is {"hour": 8, "minute": 47, "second": 35}
